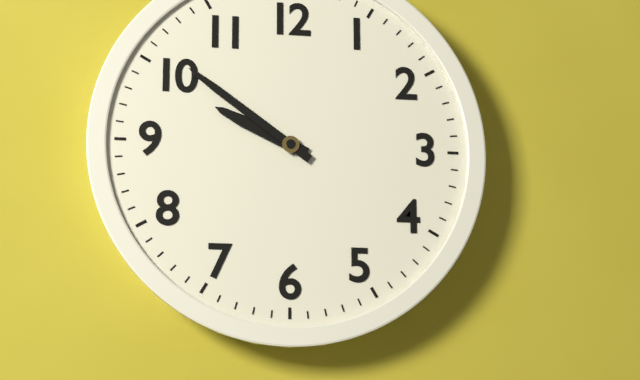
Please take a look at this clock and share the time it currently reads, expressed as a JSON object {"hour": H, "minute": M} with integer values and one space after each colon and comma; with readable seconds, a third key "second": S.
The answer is {"hour": 9, "minute": 51}
